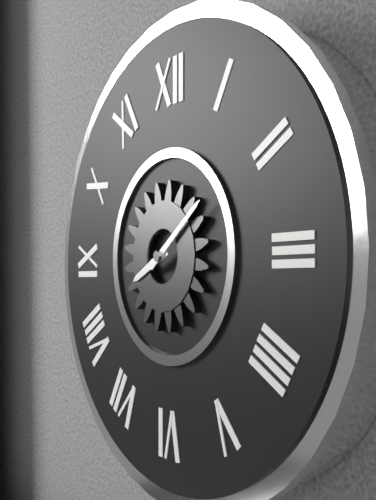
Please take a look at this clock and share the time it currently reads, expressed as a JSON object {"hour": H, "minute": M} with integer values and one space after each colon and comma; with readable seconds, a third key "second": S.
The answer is {"hour": 8, "minute": 9}
